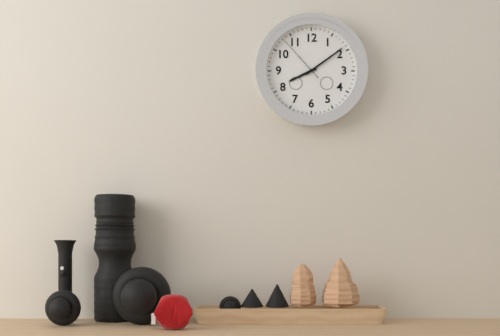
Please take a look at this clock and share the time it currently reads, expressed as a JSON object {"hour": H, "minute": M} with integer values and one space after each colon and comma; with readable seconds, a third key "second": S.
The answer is {"hour": 8, "minute": 9, "second": 53}
